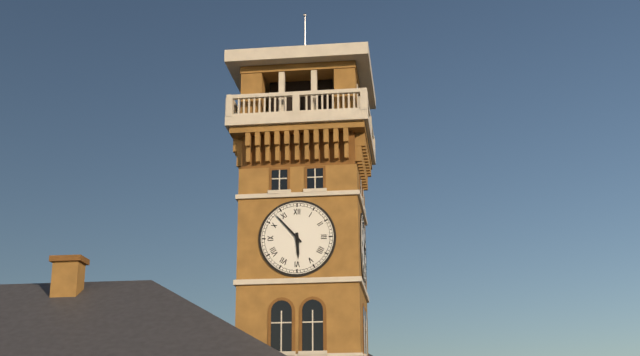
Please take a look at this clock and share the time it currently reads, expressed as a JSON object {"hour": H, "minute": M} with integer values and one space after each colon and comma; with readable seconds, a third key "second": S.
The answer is {"hour": 5, "minute": 53}
